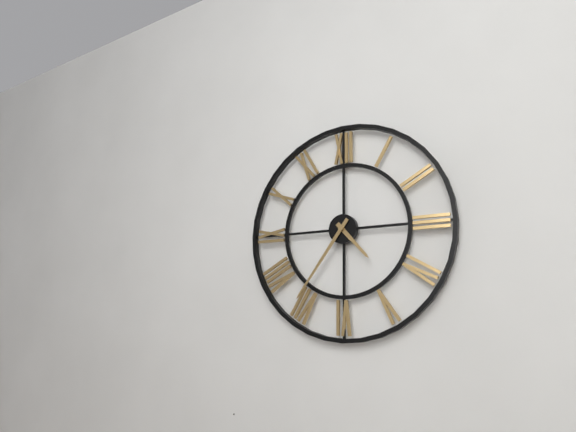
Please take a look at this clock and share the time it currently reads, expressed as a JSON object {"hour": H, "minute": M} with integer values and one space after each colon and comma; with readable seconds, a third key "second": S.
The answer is {"hour": 4, "minute": 36}
